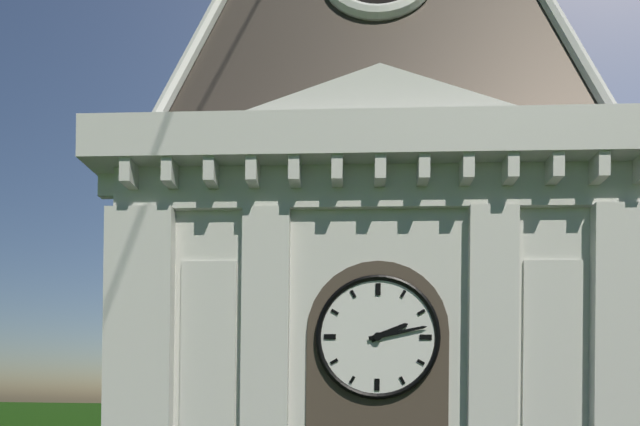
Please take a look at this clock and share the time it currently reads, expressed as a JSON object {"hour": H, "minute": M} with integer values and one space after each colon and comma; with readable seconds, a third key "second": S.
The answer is {"hour": 2, "minute": 13}
